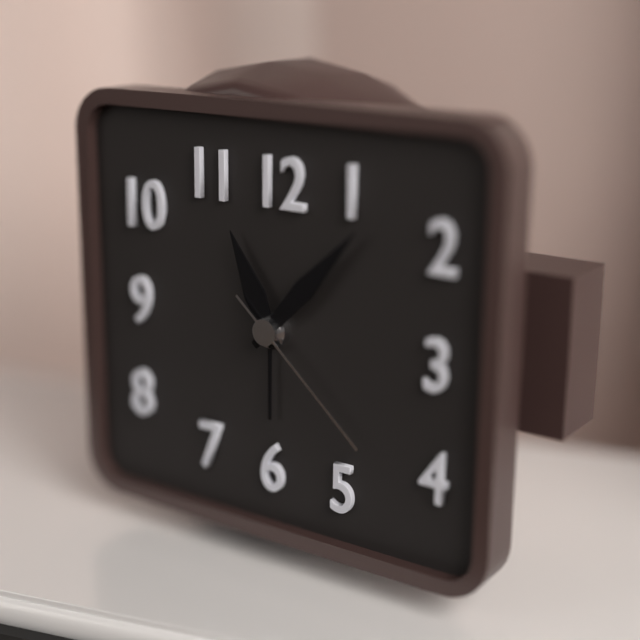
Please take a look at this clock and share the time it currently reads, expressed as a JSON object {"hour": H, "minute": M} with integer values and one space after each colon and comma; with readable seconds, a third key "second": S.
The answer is {"hour": 11, "minute": 7, "second": 22}
